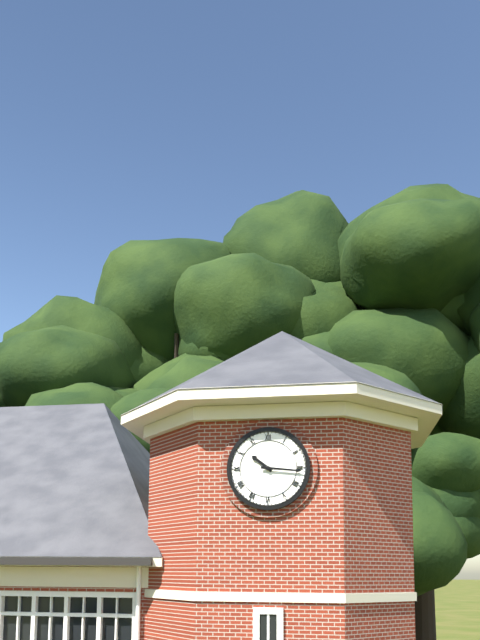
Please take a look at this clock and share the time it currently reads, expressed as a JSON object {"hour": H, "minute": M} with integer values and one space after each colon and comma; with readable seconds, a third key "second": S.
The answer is {"hour": 10, "minute": 16}
